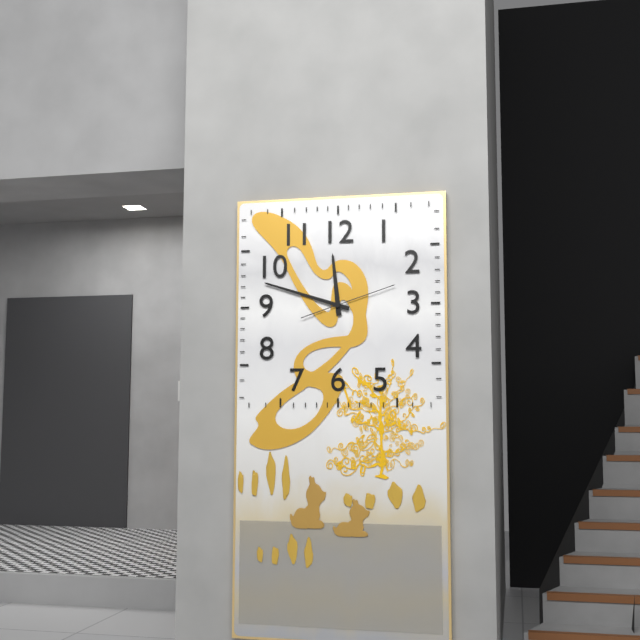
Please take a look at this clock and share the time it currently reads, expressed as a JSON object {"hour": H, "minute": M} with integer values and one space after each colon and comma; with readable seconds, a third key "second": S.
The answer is {"hour": 11, "minute": 48, "second": 12}
